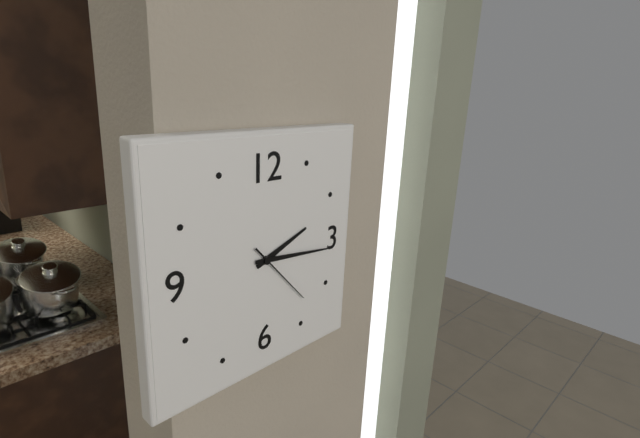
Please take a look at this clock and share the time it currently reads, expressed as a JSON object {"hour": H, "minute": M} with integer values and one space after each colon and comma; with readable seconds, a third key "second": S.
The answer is {"hour": 2, "minute": 16, "second": 23}
